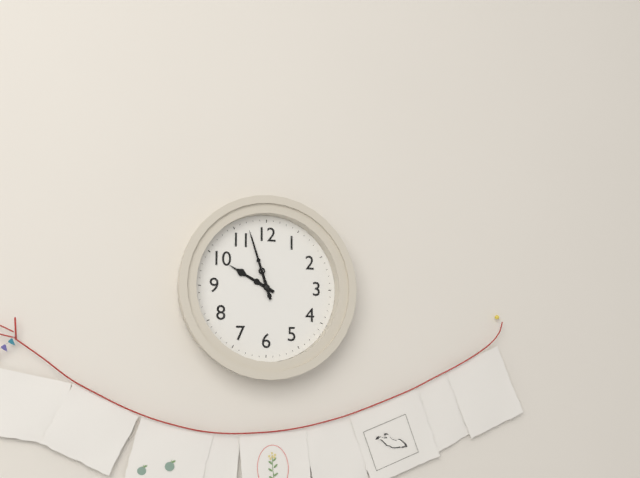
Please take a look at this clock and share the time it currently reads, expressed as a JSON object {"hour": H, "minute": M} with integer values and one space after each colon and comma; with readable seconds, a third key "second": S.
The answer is {"hour": 9, "minute": 57}
